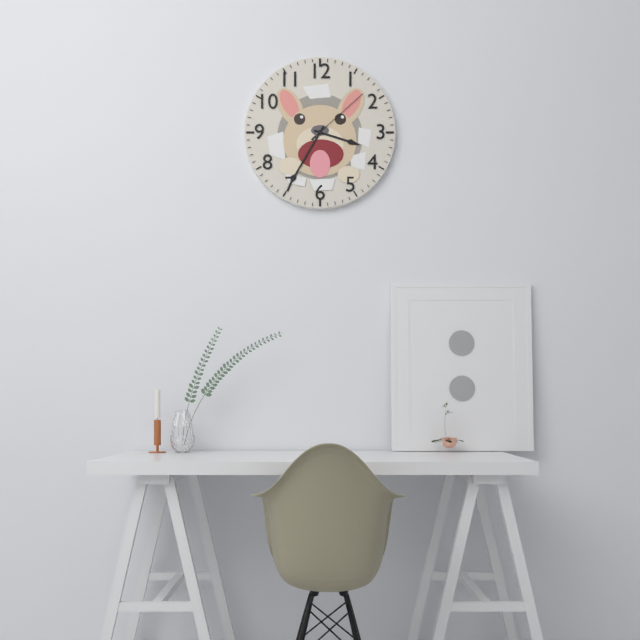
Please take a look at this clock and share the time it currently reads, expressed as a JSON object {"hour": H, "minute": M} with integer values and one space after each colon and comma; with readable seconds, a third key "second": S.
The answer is {"hour": 3, "minute": 35, "second": 8}
